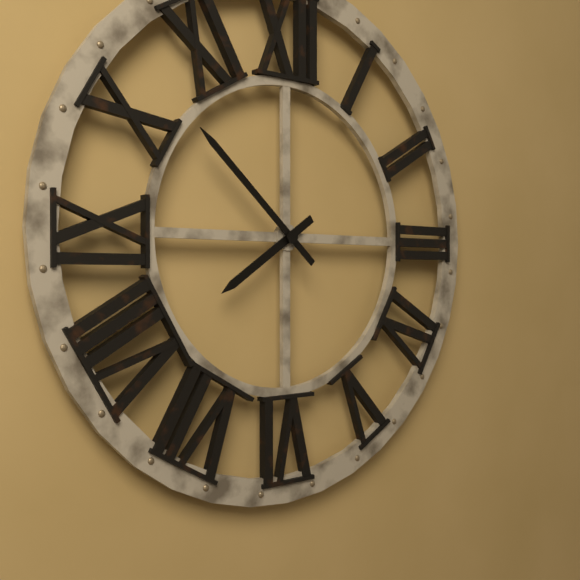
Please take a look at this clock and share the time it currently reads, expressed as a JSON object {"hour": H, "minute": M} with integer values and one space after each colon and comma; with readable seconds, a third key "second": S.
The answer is {"hour": 7, "minute": 52}
